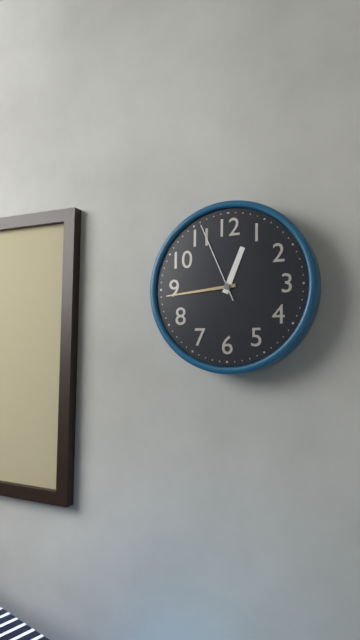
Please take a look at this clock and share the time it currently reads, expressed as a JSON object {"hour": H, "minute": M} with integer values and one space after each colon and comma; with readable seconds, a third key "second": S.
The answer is {"hour": 12, "minute": 44, "second": 56}
